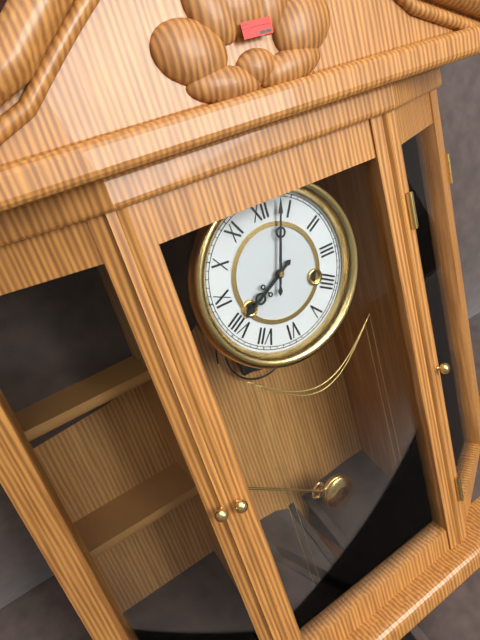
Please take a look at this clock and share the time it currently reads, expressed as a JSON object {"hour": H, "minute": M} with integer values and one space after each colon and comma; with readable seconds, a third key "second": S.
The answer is {"hour": 8, "minute": 3}
